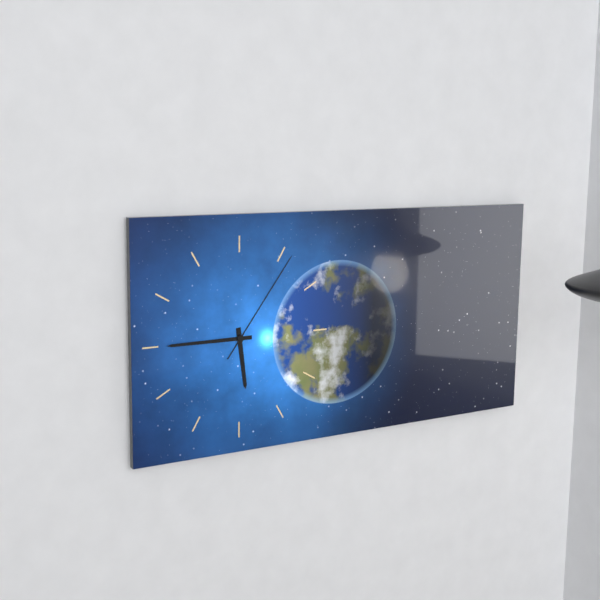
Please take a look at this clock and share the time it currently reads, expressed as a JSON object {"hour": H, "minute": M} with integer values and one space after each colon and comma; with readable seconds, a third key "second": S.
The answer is {"hour": 5, "minute": 45, "second": 6}
